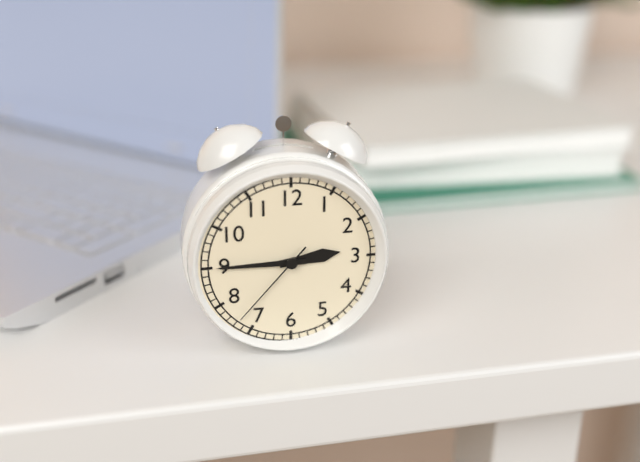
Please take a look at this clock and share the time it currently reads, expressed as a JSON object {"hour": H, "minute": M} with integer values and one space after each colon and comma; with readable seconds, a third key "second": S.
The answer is {"hour": 2, "minute": 45, "second": 37}
